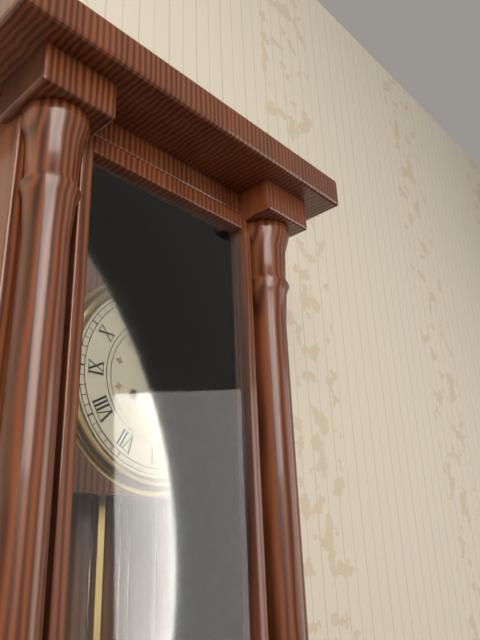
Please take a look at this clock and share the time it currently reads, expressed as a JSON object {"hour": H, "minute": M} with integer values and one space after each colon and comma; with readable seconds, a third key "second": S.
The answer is {"hour": 11, "minute": 23}
